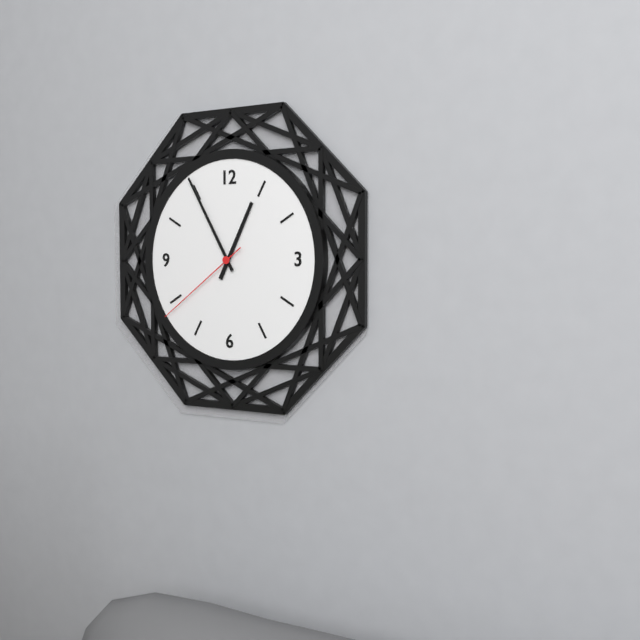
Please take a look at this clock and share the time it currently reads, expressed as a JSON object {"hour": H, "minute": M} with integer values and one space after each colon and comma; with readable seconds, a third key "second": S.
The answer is {"hour": 12, "minute": 55, "second": 39}
